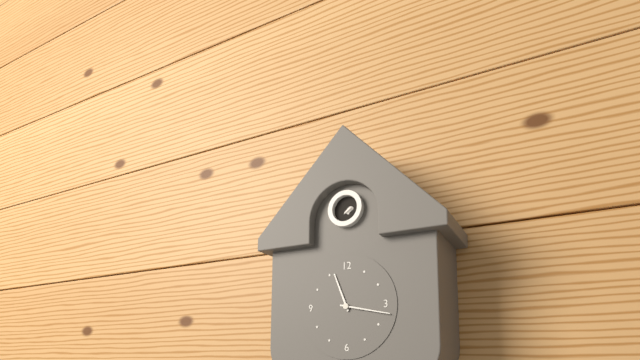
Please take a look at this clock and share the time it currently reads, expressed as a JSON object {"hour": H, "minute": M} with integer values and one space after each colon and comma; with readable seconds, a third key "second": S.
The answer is {"hour": 11, "minute": 17}
